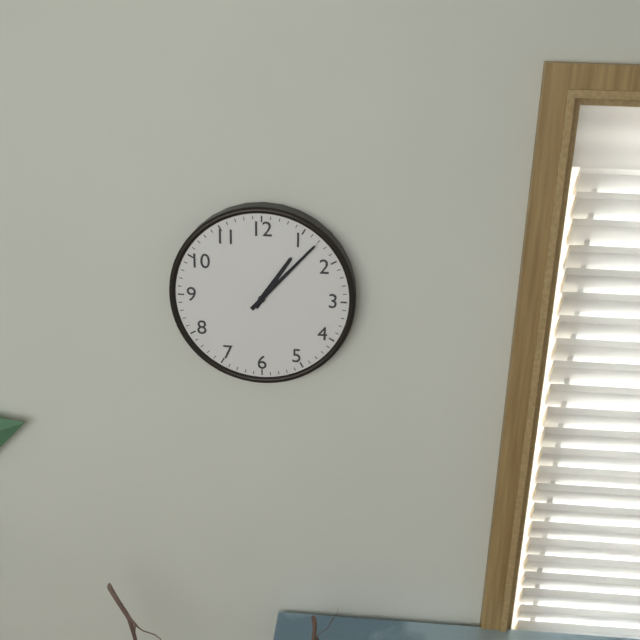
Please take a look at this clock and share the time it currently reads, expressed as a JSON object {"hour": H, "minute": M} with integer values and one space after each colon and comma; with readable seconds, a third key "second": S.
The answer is {"hour": 1, "minute": 7}
